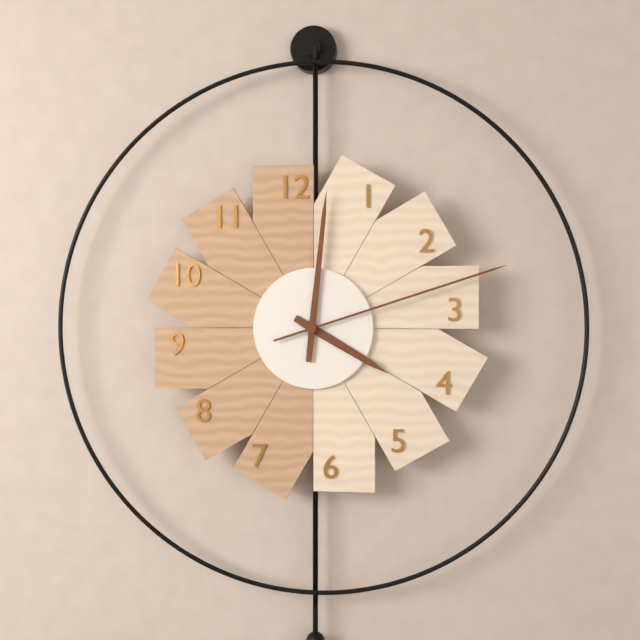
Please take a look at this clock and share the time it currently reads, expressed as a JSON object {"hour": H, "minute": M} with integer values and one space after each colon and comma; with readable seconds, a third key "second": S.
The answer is {"hour": 4, "minute": 1, "second": 12}
